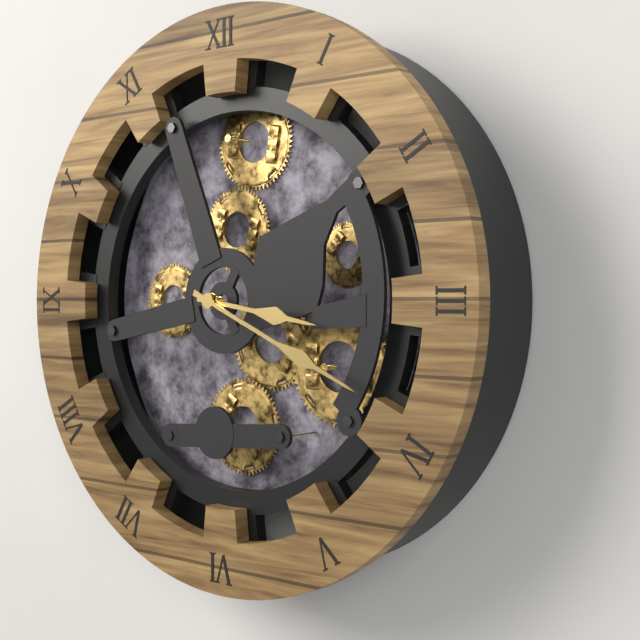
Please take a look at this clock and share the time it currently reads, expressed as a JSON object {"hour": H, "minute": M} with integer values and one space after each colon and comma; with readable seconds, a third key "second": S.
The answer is {"hour": 3, "minute": 19}
